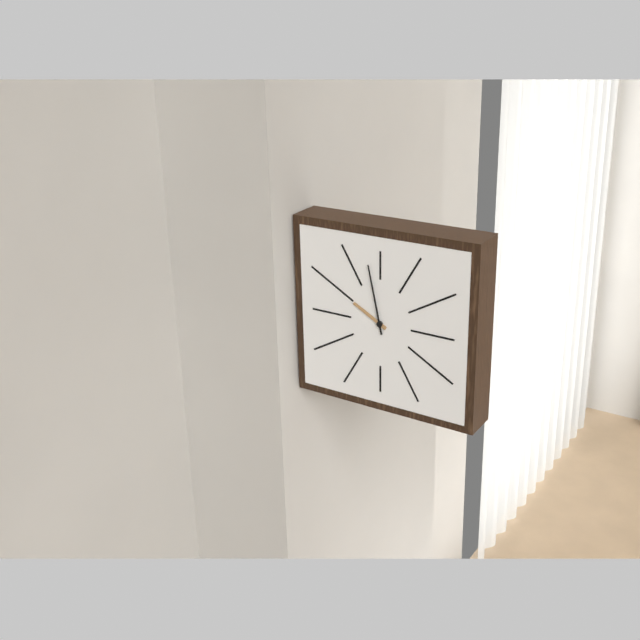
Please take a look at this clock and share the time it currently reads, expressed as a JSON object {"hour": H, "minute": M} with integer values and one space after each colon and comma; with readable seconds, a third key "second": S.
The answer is {"hour": 9, "minute": 58}
